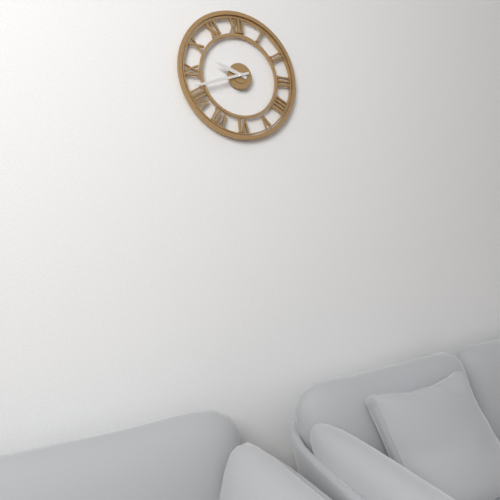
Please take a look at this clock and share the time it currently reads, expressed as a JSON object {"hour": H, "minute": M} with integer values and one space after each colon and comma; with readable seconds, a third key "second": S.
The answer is {"hour": 9, "minute": 42}
